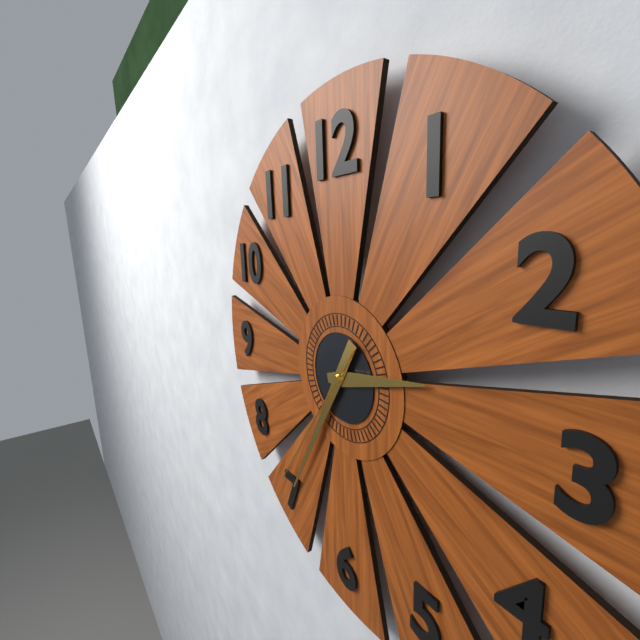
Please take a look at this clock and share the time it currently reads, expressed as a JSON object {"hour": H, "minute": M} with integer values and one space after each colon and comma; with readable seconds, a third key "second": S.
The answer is {"hour": 2, "minute": 35, "second": 36}
